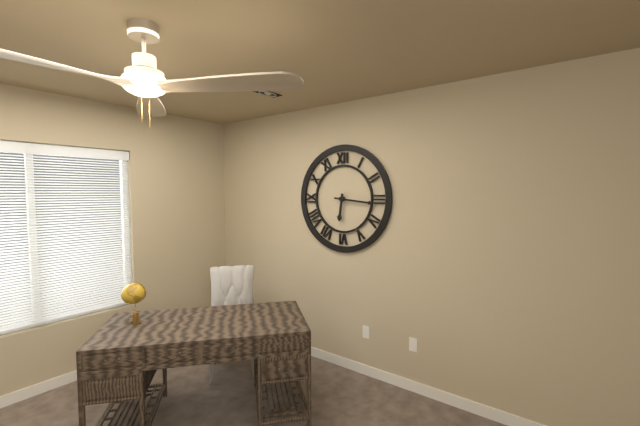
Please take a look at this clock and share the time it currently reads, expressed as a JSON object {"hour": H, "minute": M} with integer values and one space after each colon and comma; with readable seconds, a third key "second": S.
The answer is {"hour": 6, "minute": 16}
